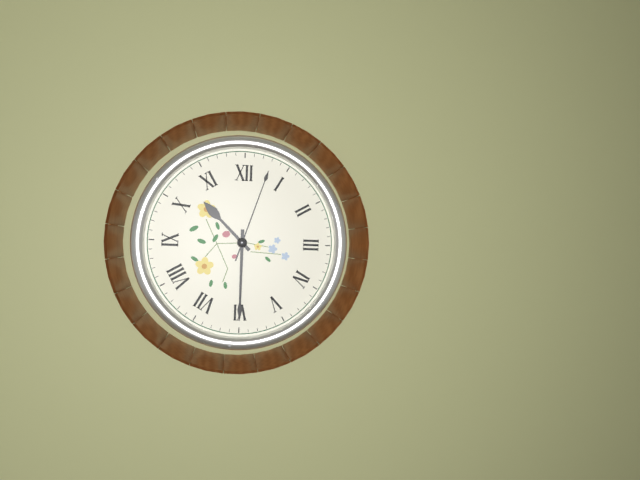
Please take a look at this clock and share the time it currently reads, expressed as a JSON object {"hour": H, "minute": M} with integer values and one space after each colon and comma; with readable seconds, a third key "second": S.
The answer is {"hour": 10, "minute": 30, "second": 3}
